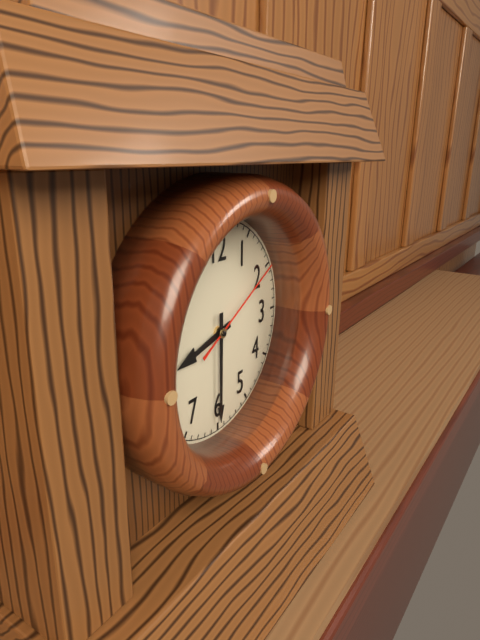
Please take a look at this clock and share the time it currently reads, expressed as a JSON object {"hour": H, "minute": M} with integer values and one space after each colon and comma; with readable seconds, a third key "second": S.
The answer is {"hour": 8, "minute": 30, "second": 10}
